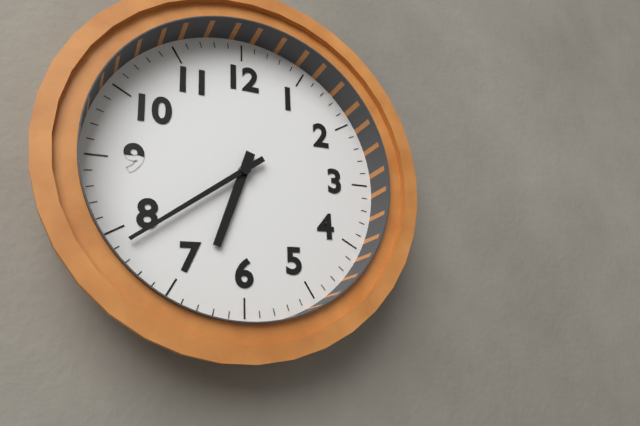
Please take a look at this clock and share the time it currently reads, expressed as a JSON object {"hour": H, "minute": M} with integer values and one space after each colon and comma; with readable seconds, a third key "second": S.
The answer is {"hour": 6, "minute": 39}
